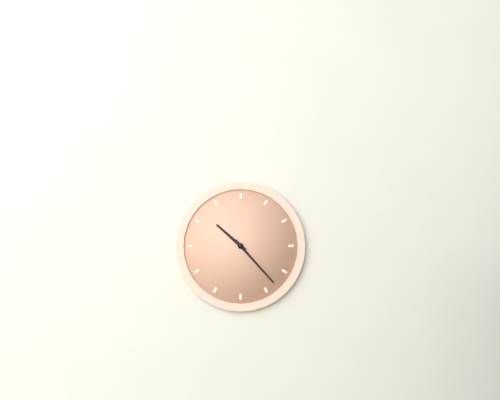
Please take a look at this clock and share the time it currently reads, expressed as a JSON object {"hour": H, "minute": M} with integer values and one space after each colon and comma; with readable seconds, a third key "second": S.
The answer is {"hour": 10, "minute": 23}
